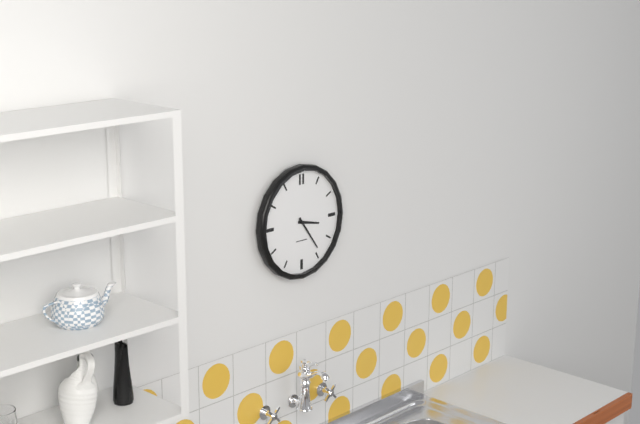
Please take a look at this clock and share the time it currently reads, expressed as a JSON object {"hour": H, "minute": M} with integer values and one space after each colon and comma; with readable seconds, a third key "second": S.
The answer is {"hour": 3, "minute": 24}
